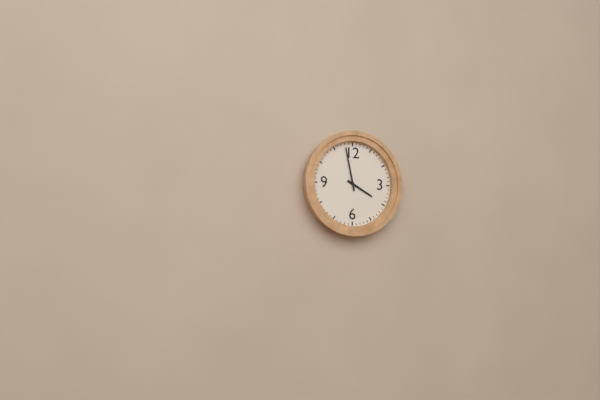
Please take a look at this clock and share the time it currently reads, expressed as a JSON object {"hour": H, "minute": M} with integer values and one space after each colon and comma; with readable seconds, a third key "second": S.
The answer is {"hour": 3, "minute": 58}
